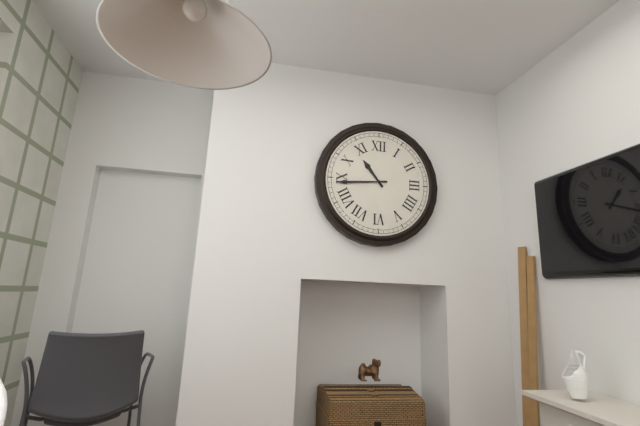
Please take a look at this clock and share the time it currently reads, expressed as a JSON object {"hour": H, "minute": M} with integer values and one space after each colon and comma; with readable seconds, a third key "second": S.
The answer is {"hour": 10, "minute": 44}
